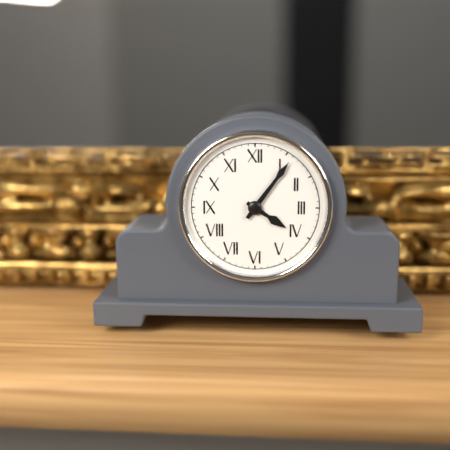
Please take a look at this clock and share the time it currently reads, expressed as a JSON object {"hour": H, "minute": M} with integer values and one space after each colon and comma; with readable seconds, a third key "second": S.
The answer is {"hour": 4, "minute": 6}
